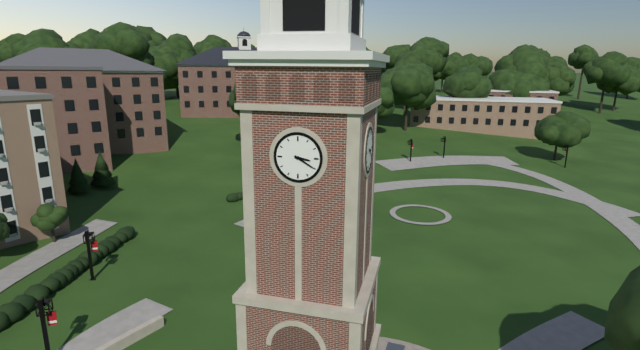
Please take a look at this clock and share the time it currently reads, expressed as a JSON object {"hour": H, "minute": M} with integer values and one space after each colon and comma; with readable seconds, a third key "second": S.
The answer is {"hour": 3, "minute": 20}
